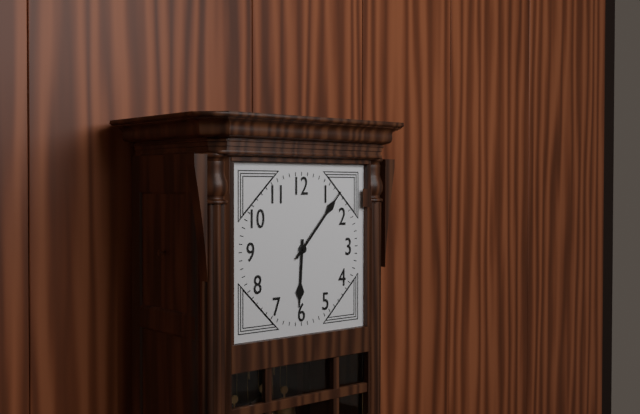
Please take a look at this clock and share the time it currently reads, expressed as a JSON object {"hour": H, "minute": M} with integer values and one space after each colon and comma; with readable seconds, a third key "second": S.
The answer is {"hour": 6, "minute": 7}
